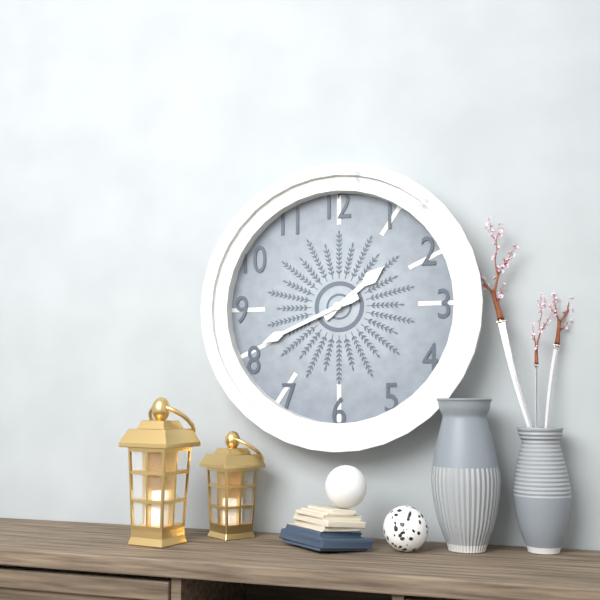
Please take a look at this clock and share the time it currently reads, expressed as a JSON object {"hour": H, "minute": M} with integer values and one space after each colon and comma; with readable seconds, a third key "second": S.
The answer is {"hour": 1, "minute": 41}
